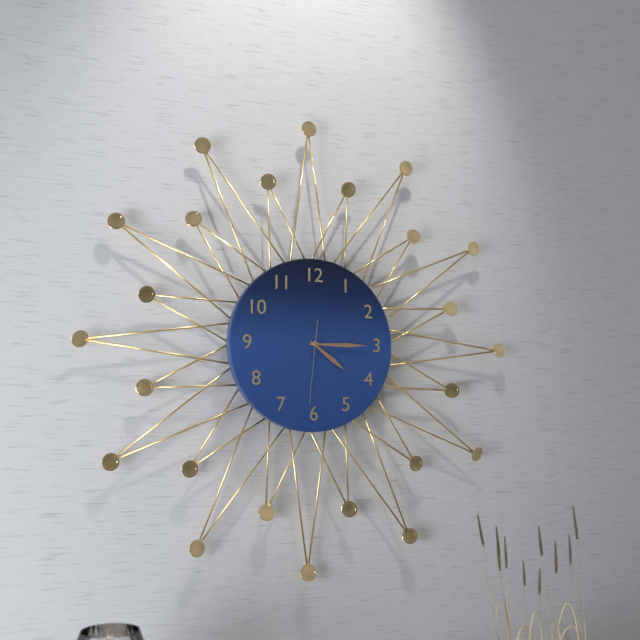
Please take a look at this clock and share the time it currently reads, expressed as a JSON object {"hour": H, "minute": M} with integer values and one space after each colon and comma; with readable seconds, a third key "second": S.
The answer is {"hour": 4, "minute": 15, "second": 31}
